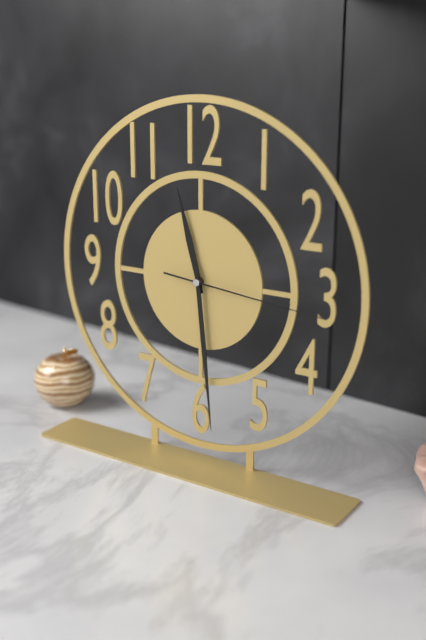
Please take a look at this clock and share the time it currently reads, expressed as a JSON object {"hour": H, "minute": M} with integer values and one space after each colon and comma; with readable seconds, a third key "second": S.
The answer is {"hour": 11, "minute": 29, "second": 16}
